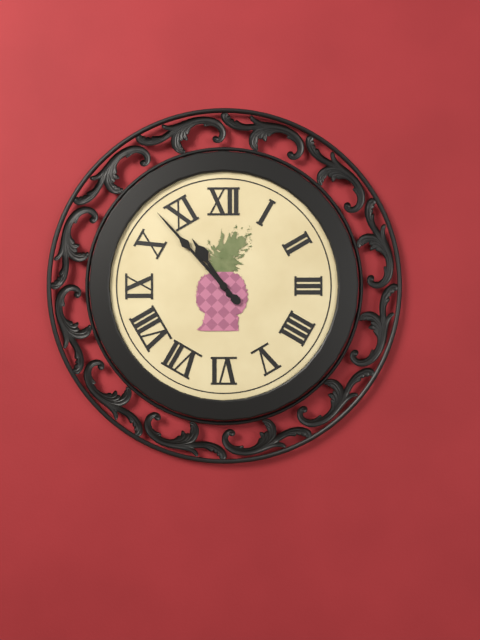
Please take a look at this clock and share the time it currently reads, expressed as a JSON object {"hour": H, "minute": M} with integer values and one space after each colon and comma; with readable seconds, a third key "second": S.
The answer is {"hour": 10, "minute": 53}
